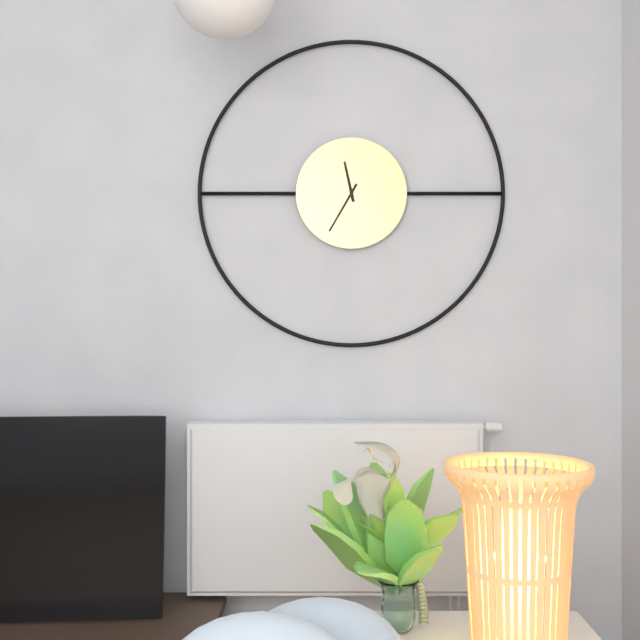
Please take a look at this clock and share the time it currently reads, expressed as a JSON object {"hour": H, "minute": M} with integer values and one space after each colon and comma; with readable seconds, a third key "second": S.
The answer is {"hour": 11, "minute": 35}
